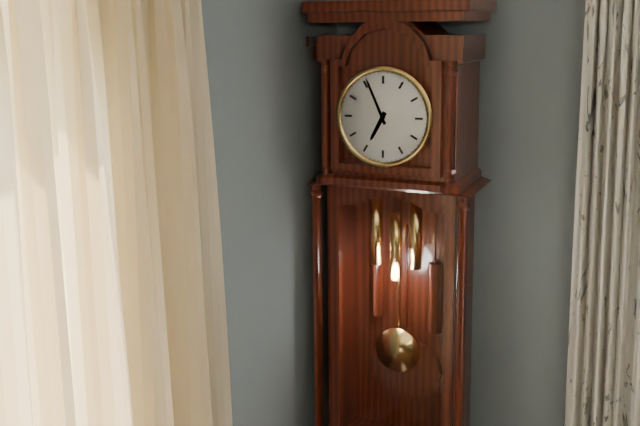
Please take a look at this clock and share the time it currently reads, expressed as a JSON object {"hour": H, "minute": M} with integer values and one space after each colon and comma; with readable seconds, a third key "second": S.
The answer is {"hour": 6, "minute": 56}
